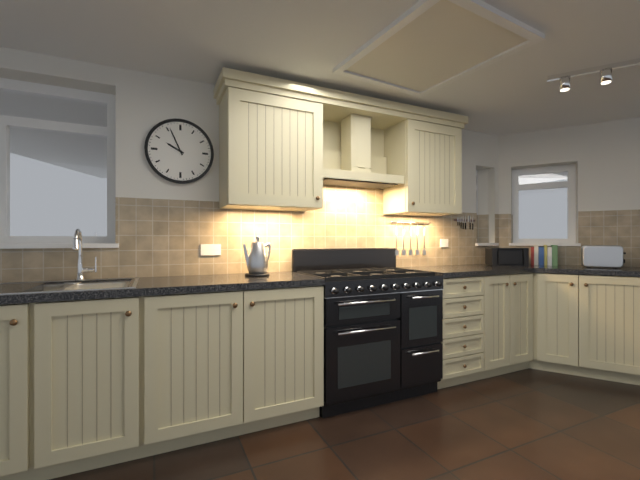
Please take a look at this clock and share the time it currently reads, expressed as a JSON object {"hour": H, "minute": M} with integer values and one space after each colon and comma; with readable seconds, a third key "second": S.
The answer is {"hour": 9, "minute": 56}
